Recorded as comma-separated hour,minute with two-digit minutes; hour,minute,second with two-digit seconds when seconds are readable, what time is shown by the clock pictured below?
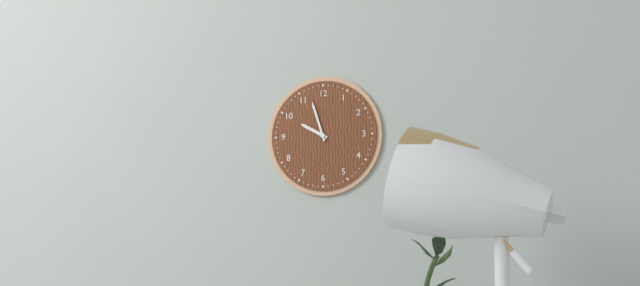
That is 9,57
